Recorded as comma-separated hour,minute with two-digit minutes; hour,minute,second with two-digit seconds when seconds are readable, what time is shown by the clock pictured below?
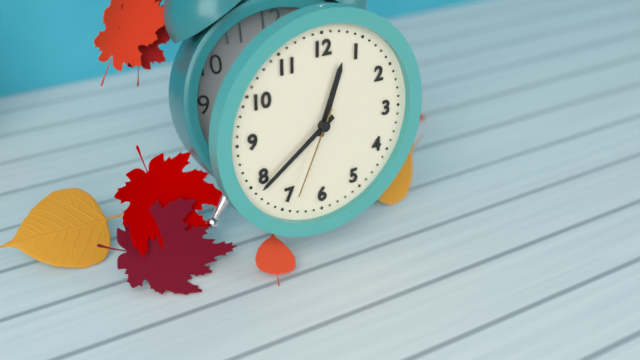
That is 12,39,34
